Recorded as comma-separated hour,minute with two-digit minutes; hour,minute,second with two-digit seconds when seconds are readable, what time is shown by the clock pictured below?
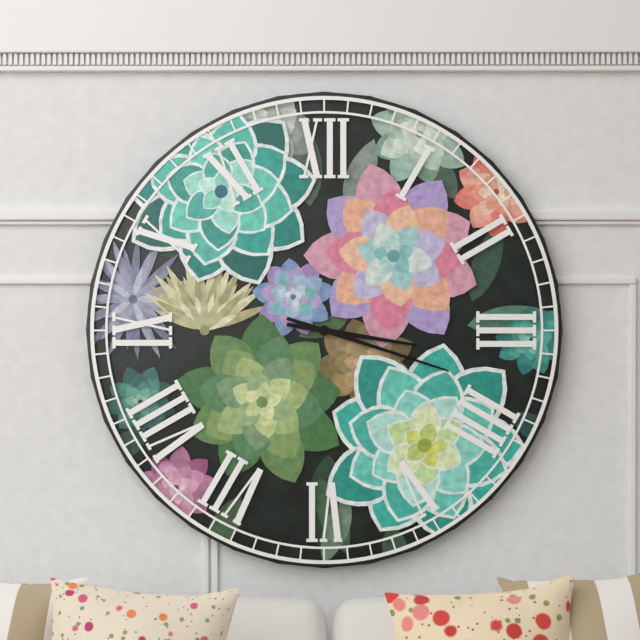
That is 3,18
